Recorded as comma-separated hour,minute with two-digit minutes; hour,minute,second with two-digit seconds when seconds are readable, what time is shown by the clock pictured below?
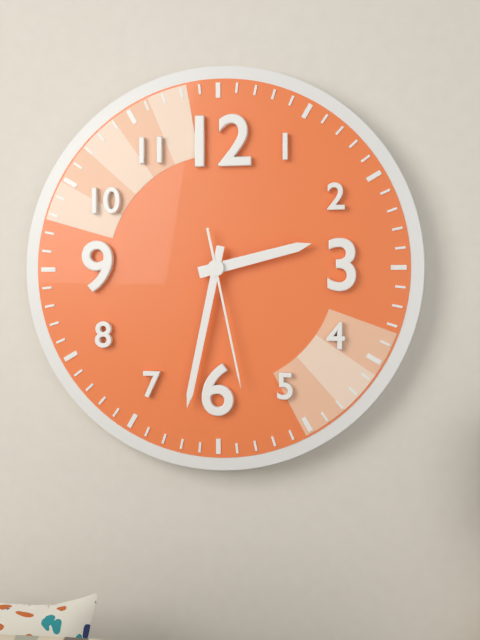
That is 2,32,28
